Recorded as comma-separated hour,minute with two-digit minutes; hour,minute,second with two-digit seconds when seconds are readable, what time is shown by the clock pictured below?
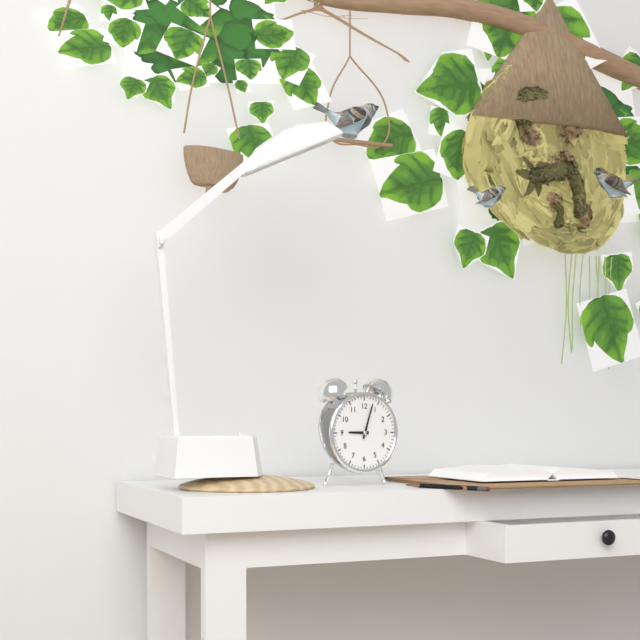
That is 9,03
